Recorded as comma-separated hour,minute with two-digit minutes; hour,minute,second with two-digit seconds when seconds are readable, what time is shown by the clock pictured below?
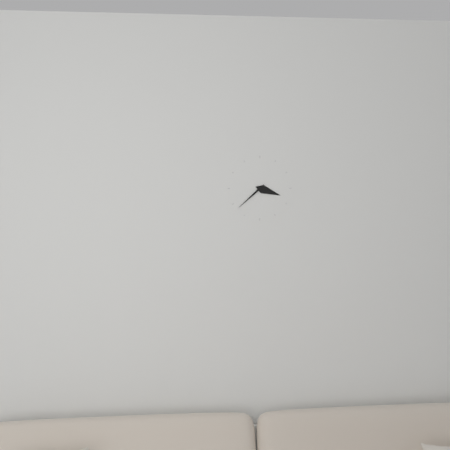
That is 3,38
